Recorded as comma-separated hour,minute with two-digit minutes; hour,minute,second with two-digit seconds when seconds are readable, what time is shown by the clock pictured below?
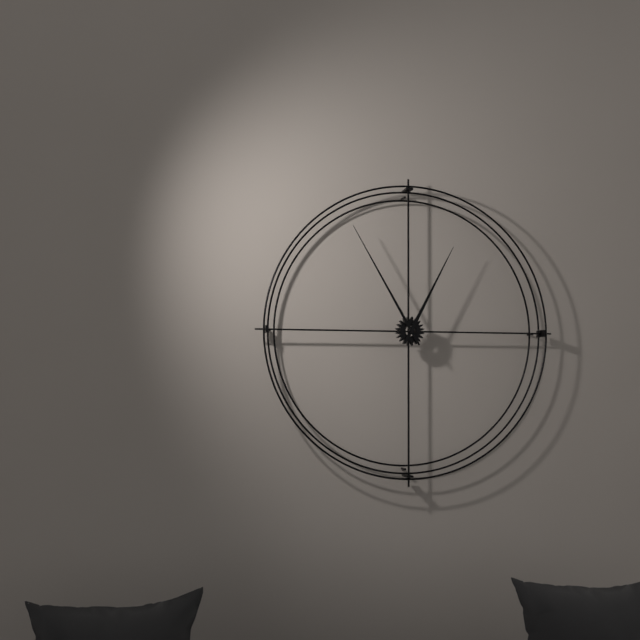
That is 12,55
